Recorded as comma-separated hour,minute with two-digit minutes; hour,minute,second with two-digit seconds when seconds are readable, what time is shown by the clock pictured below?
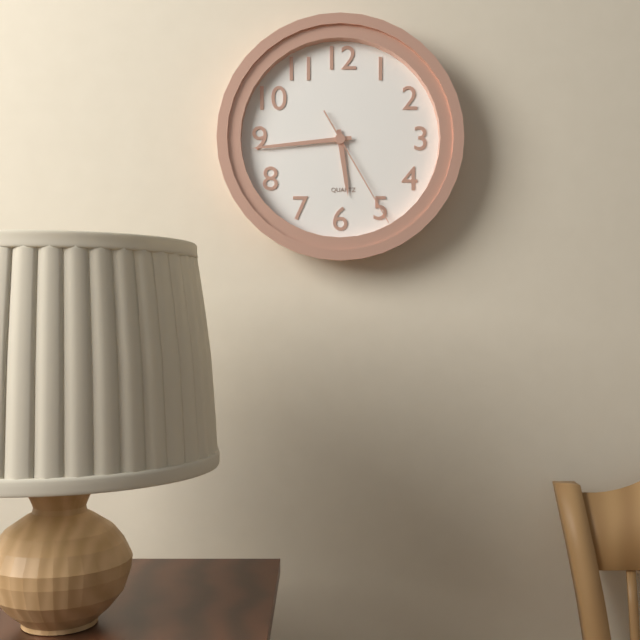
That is 5,44,25
